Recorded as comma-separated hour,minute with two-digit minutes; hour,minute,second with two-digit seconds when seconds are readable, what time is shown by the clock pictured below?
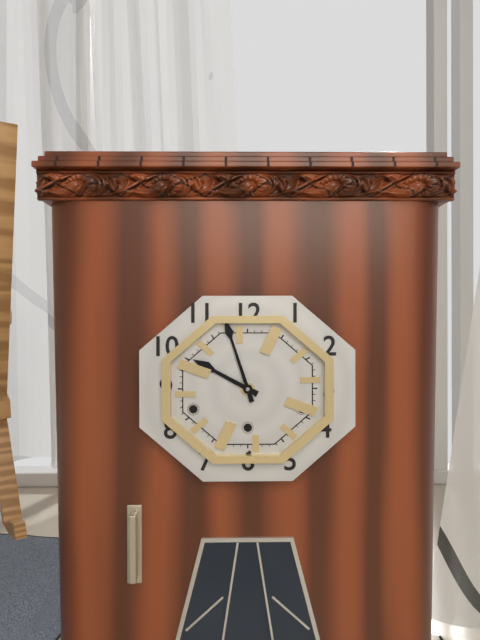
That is 9,57
